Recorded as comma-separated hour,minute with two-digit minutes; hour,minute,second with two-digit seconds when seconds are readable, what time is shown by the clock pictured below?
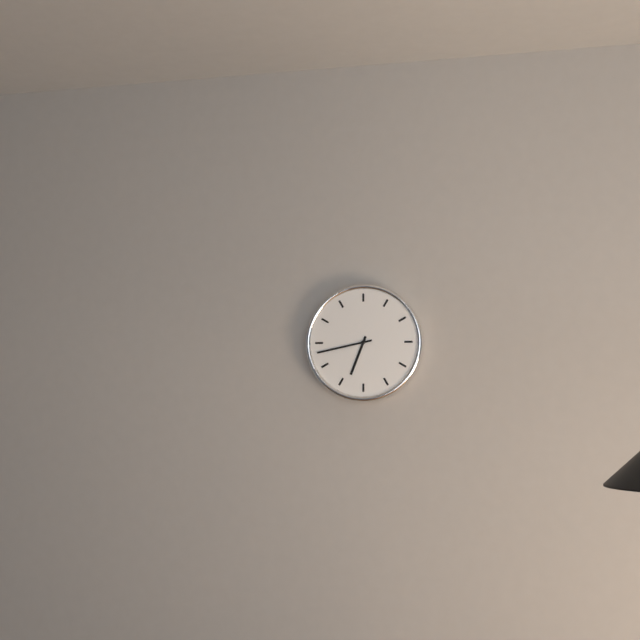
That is 6,43
